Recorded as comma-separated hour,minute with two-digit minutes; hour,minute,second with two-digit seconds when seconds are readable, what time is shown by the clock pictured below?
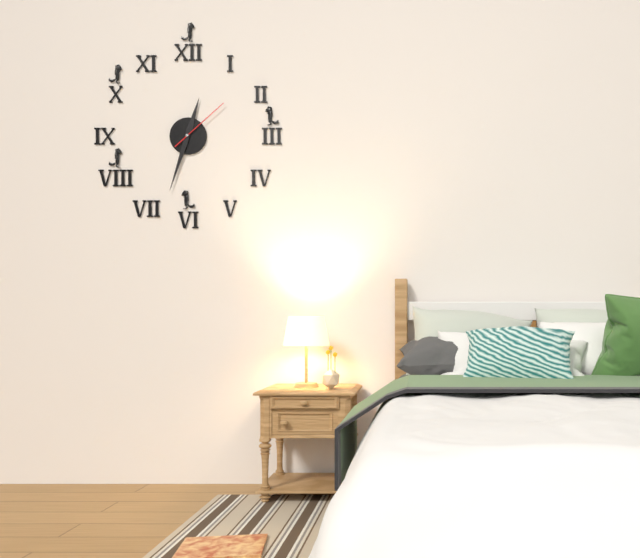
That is 12,33,08
